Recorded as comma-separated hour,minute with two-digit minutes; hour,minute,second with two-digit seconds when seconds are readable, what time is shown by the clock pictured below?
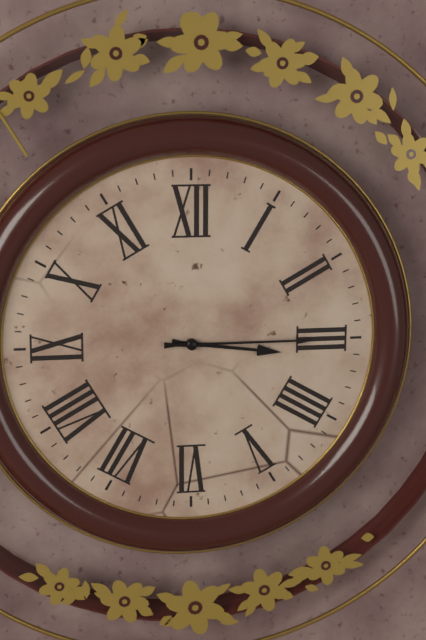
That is 3,15
